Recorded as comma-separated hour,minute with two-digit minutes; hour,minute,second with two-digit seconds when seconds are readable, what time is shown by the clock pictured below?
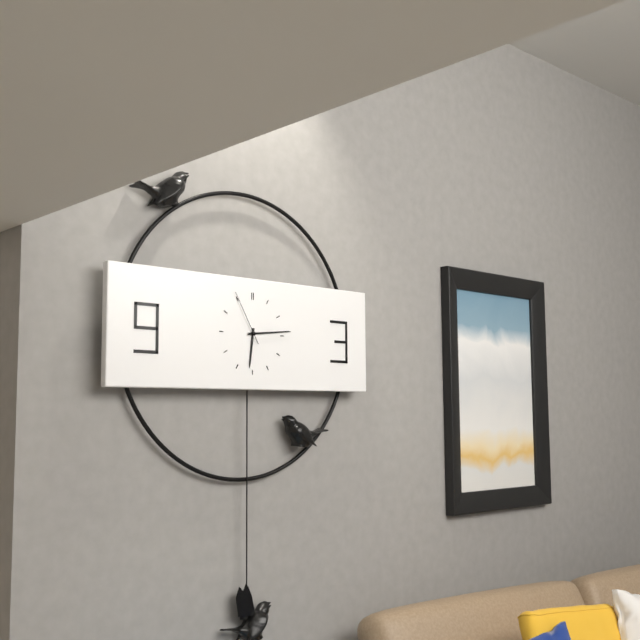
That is 6,14,55
